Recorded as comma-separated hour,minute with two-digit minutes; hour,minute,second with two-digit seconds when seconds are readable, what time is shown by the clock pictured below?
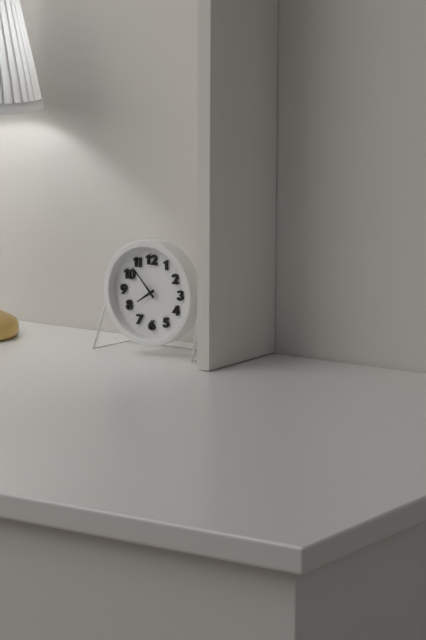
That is 7,53
